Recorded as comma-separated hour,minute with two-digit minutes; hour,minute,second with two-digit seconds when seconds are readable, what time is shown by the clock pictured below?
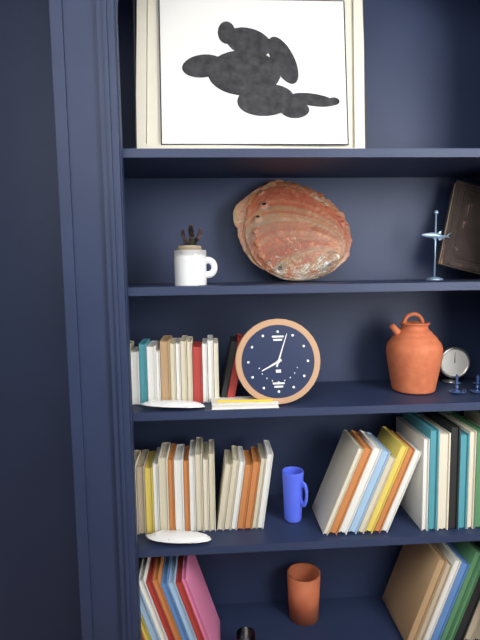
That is 8,03
